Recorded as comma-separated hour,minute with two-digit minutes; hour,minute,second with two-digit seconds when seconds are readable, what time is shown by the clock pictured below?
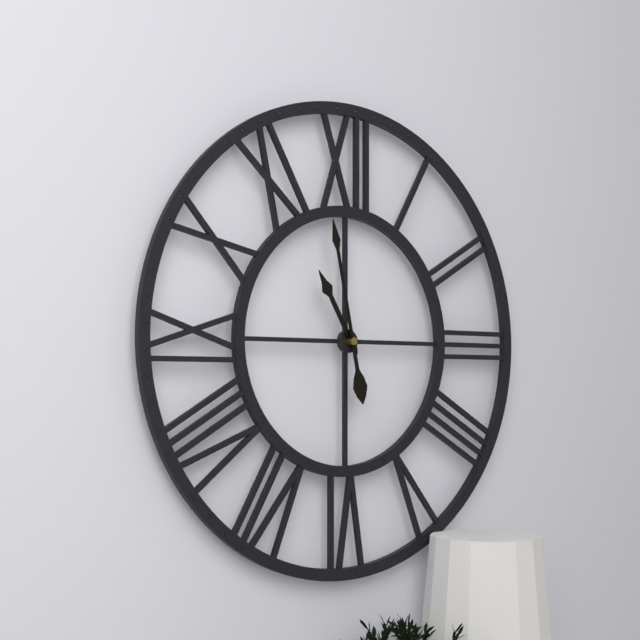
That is 10,58
